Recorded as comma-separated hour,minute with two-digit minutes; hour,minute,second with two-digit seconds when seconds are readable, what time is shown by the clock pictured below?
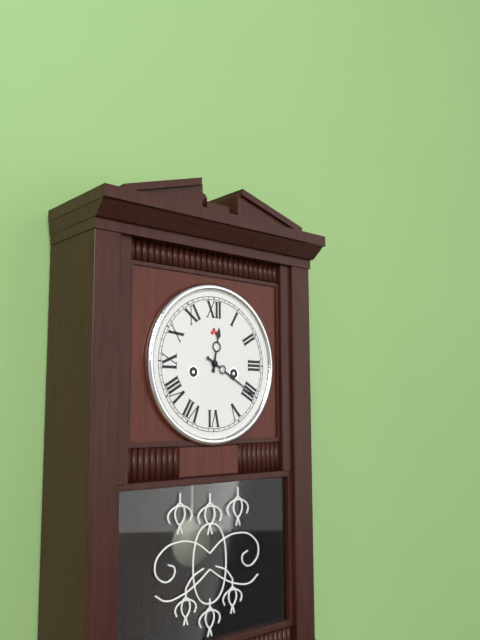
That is 12,20
